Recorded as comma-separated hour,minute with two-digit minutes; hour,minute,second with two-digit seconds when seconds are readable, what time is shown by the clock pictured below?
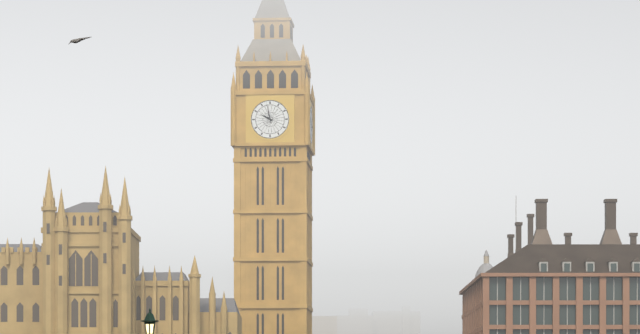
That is 9,58
